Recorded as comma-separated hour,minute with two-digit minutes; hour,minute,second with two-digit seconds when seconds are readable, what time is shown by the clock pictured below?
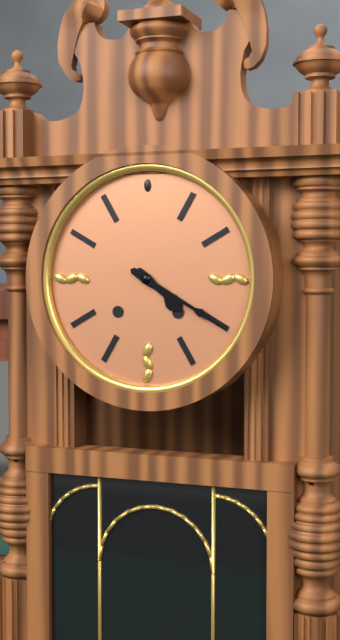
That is 4,20
